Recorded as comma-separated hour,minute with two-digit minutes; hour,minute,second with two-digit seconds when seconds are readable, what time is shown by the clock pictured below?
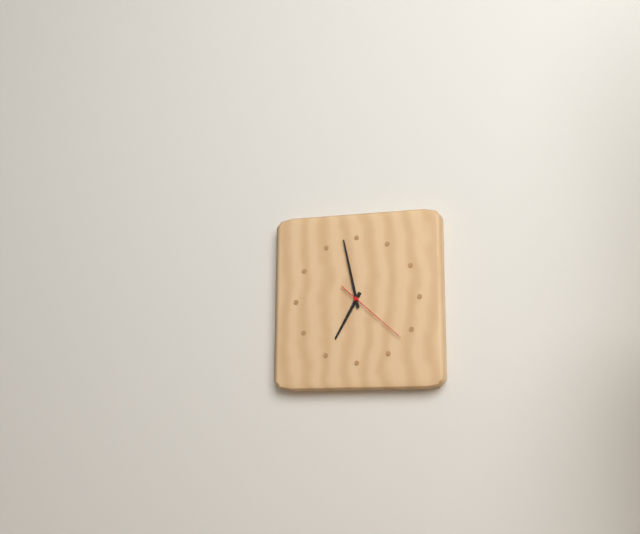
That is 6,58,22
